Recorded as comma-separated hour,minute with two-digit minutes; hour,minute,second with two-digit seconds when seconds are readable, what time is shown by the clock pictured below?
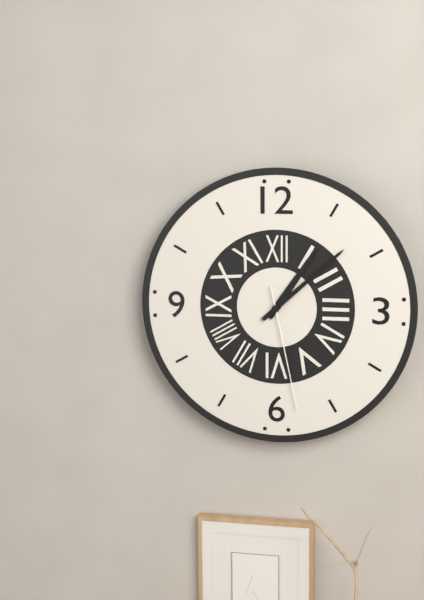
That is 1,08,28
